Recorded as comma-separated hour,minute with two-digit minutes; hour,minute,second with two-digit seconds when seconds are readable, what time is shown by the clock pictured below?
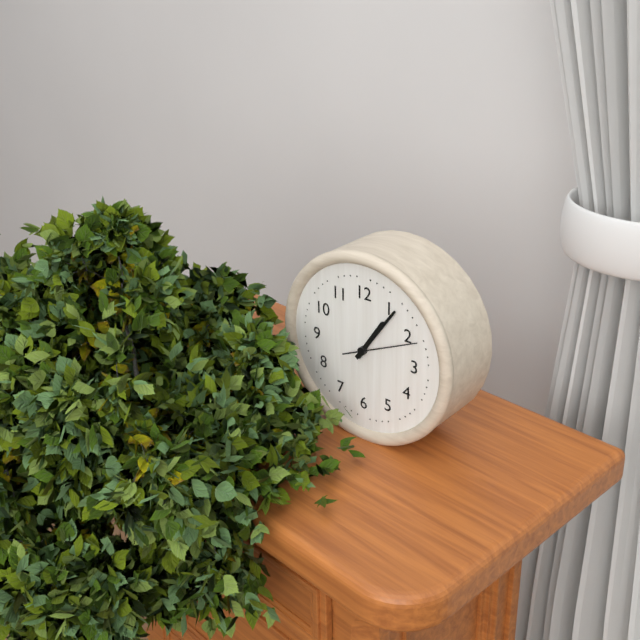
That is 1,06,11
